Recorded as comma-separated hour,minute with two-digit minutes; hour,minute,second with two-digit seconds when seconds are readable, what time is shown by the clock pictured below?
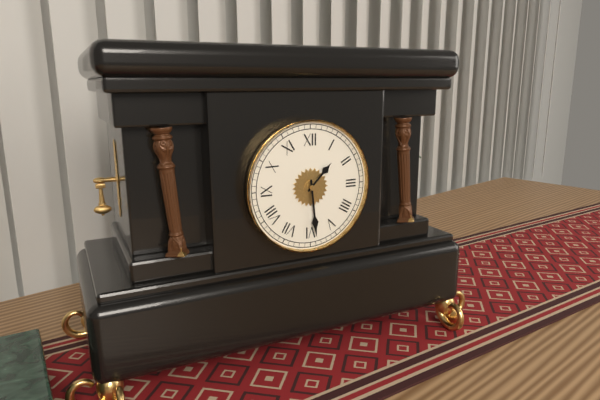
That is 1,29
